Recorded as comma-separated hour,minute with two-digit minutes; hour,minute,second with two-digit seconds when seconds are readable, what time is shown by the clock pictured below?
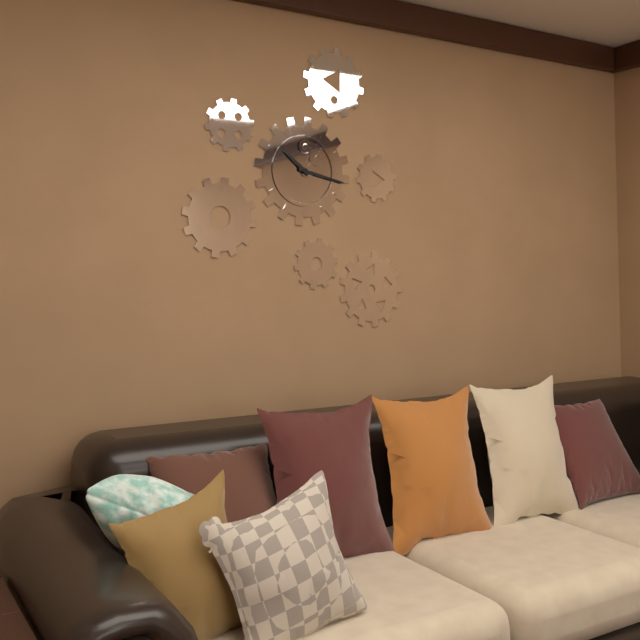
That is 10,17
